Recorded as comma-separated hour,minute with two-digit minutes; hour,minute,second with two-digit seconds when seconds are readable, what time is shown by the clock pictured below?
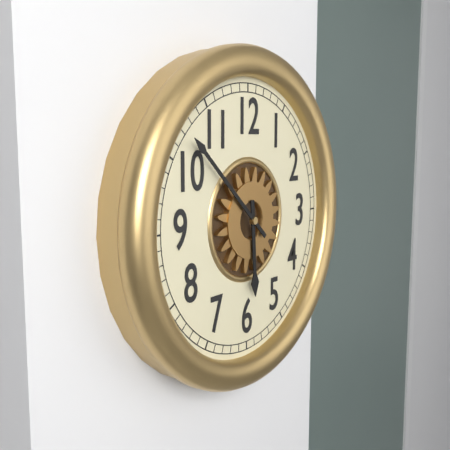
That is 5,52
